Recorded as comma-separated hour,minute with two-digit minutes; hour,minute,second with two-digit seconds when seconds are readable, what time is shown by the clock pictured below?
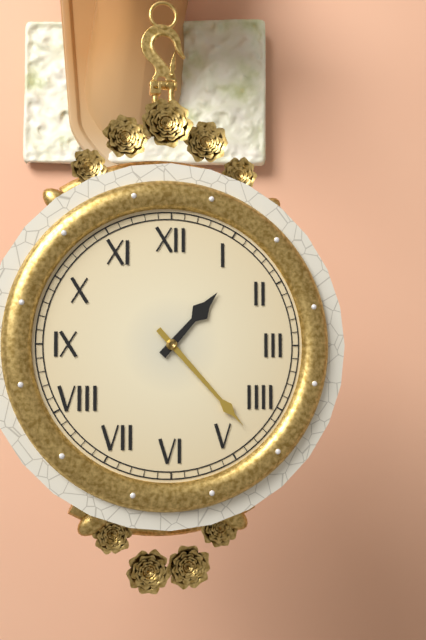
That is 1,23
